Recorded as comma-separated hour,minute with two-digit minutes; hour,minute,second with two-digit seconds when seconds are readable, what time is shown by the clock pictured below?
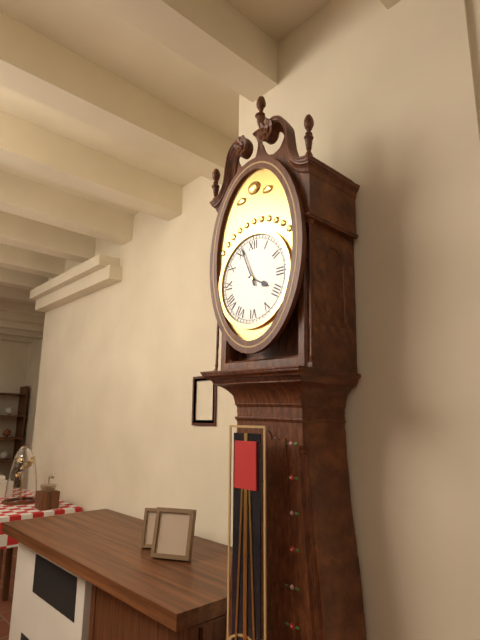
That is 3,56
